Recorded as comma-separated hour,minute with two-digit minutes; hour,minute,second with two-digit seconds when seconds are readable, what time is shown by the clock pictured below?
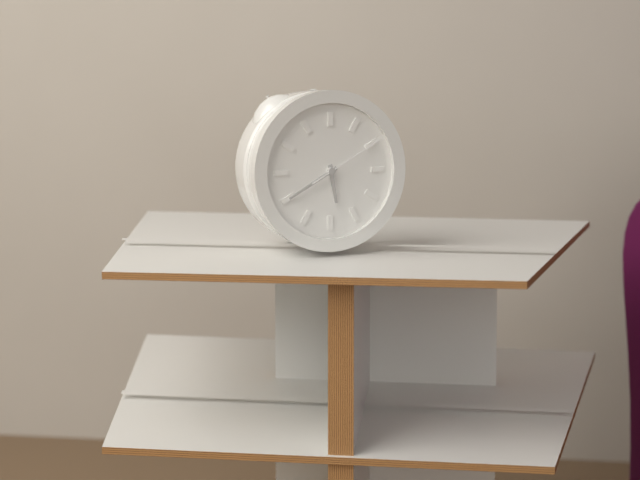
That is 5,40,10
